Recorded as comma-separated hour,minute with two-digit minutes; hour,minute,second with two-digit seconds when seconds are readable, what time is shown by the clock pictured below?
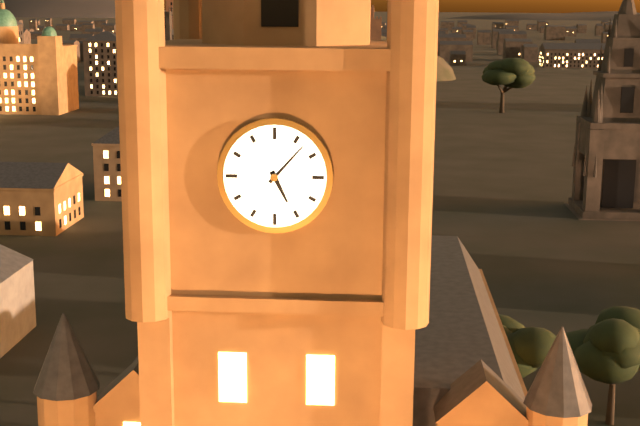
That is 5,07
